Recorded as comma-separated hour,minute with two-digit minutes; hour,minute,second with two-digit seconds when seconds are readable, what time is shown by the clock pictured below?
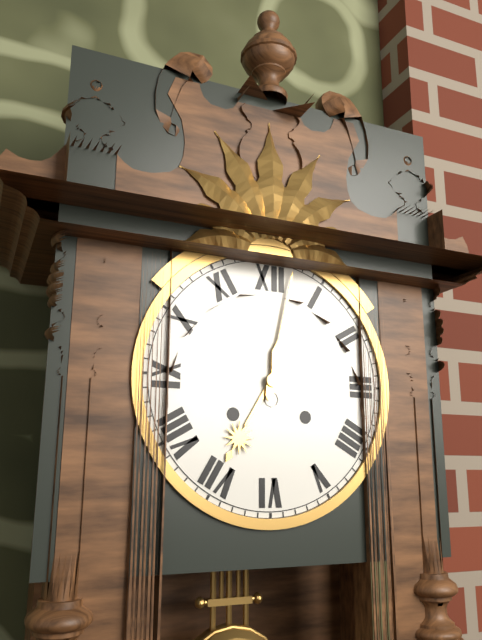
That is 7,02
